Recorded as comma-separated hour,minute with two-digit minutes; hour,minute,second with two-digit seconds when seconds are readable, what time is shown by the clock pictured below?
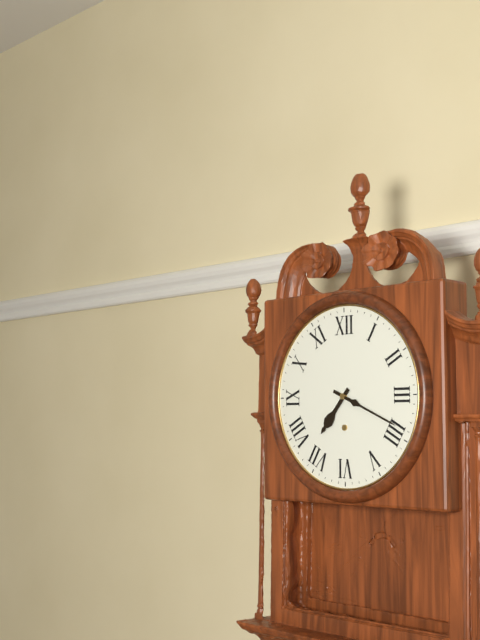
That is 7,19
